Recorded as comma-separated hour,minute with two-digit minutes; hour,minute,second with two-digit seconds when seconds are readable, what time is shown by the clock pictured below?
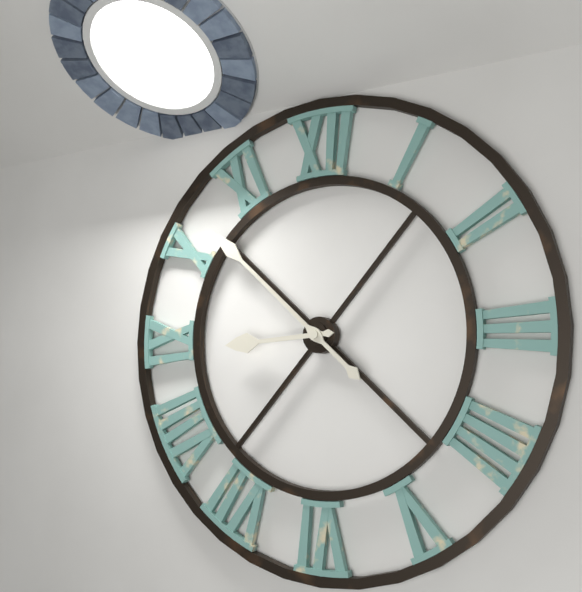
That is 8,52
